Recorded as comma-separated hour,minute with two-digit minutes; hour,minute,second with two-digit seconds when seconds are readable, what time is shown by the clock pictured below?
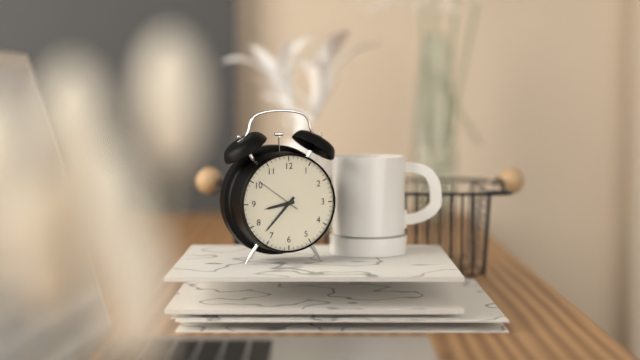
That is 8,37
